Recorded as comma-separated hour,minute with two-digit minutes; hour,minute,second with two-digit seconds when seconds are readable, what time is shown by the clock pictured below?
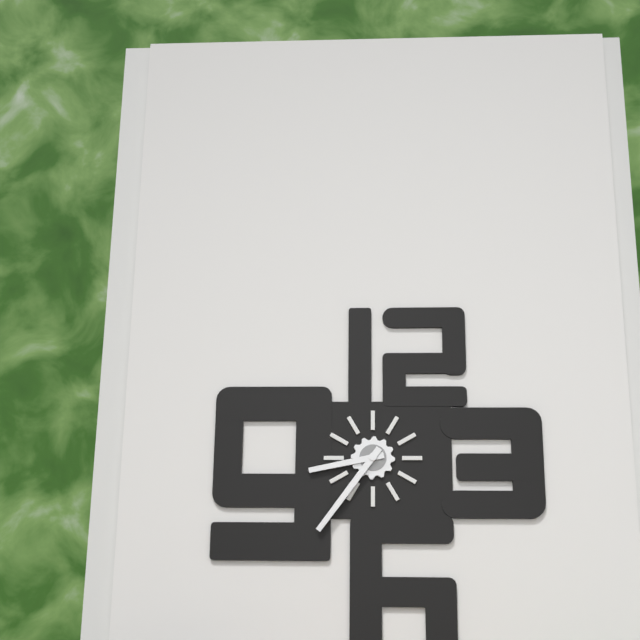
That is 8,36
